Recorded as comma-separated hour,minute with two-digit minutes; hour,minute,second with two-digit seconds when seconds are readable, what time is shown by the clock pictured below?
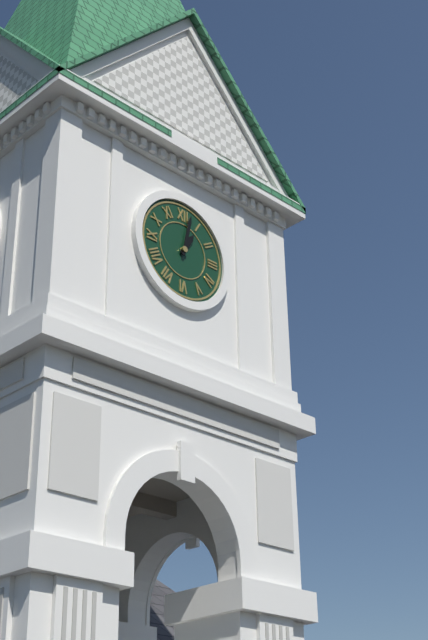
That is 1,02
